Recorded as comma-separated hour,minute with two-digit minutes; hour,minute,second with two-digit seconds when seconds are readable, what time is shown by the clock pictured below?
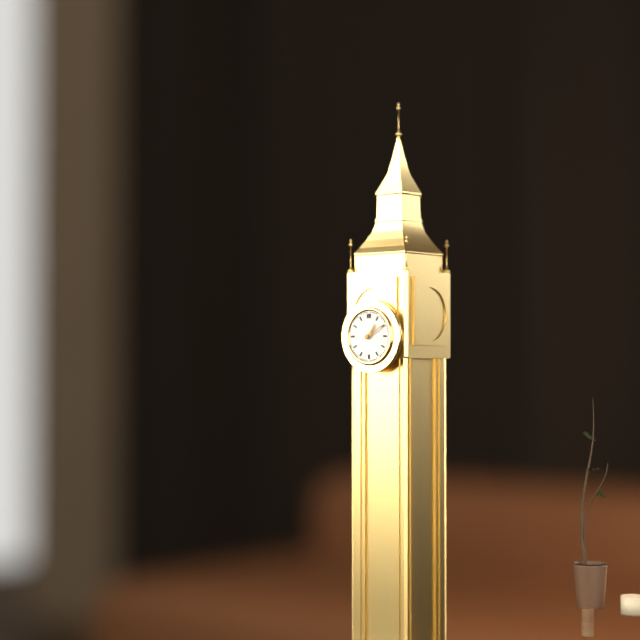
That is 1,10
